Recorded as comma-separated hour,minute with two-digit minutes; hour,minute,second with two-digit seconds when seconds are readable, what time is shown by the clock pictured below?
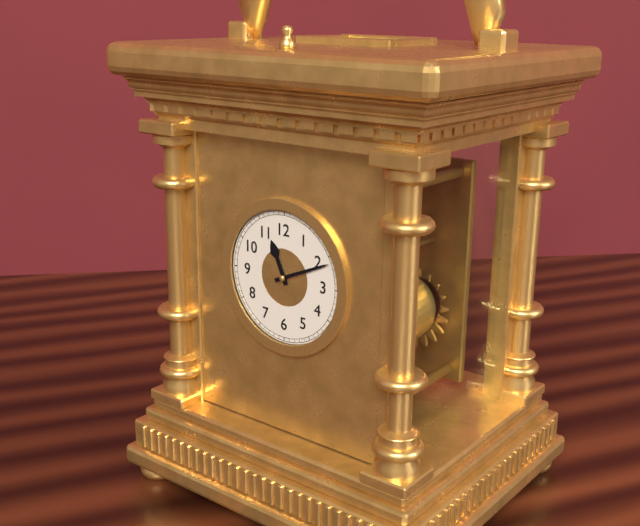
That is 11,11
